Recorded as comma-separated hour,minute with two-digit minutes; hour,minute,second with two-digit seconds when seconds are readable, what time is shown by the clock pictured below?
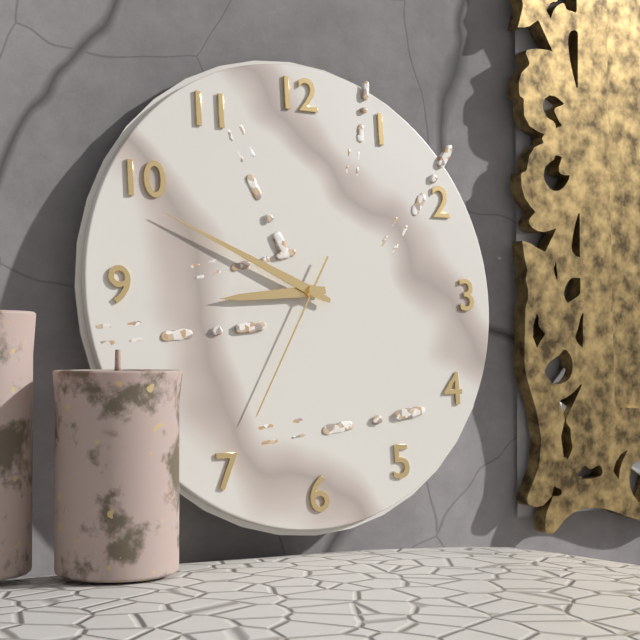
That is 8,49,35
